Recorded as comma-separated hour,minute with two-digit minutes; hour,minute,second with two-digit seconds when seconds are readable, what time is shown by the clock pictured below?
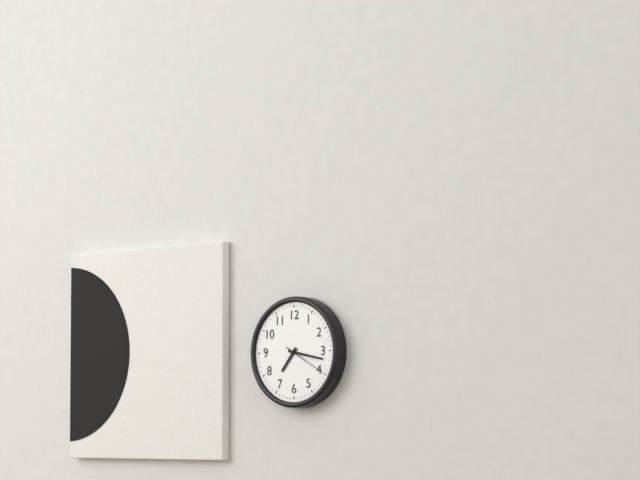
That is 7,17
